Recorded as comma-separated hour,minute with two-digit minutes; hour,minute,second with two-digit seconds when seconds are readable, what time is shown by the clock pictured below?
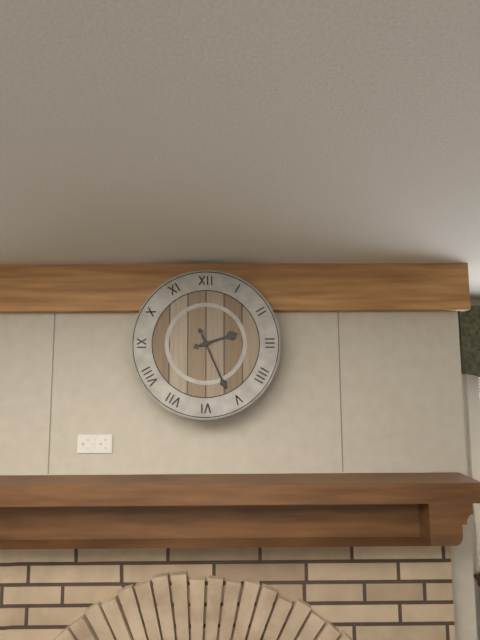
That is 2,26
